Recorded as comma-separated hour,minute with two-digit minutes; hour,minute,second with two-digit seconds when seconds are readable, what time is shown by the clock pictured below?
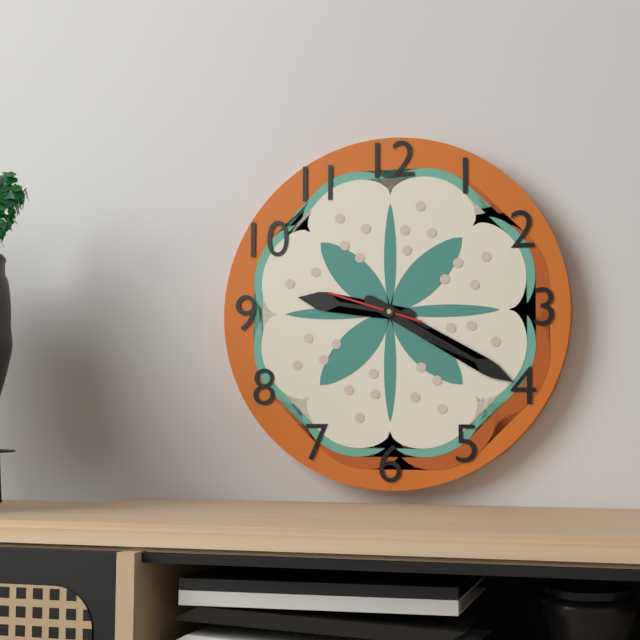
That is 9,20,48
